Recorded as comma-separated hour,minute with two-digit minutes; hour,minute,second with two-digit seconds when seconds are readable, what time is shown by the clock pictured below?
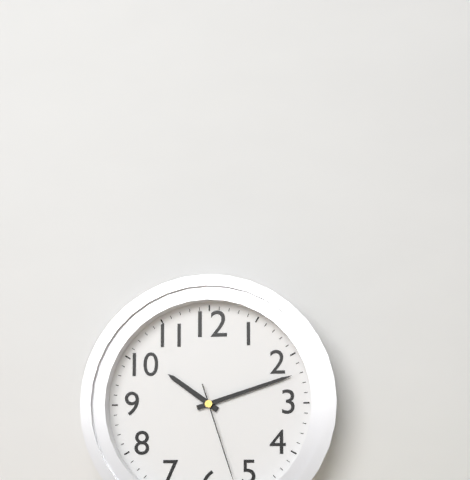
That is 10,12
